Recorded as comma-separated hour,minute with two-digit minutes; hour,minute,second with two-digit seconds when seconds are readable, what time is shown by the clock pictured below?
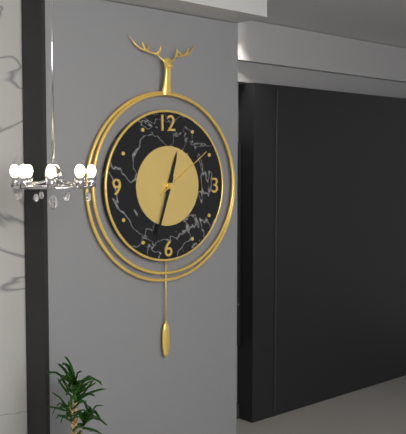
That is 12,33,09
